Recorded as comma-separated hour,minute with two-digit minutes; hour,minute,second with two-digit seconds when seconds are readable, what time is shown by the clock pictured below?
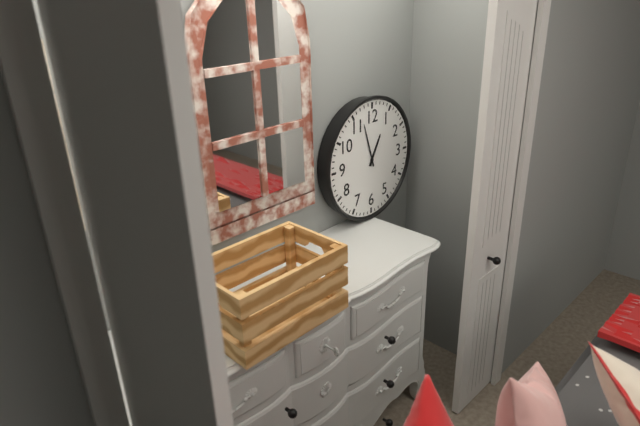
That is 12,57
